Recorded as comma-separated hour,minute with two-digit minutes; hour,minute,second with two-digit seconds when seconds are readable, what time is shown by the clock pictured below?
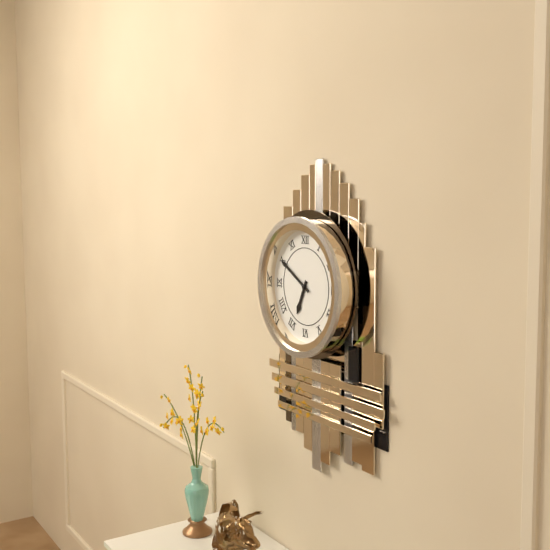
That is 6,50
